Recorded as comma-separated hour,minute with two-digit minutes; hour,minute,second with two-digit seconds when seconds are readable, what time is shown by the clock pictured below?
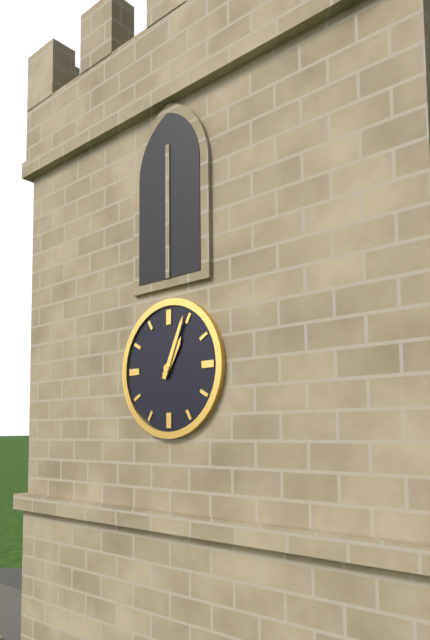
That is 1,04
